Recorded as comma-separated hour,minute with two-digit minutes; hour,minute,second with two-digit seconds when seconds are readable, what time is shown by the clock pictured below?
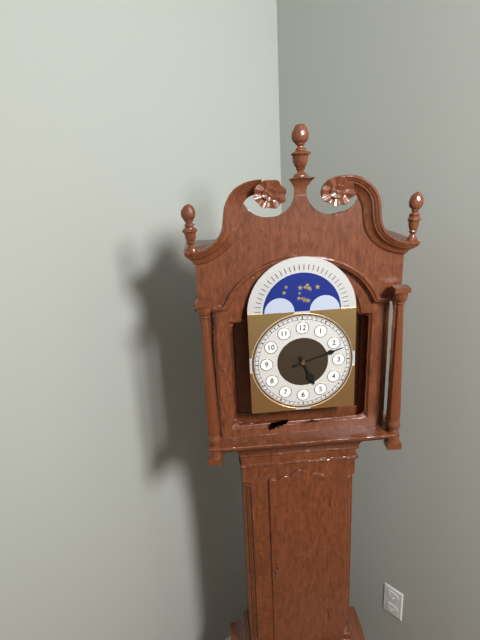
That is 5,12
